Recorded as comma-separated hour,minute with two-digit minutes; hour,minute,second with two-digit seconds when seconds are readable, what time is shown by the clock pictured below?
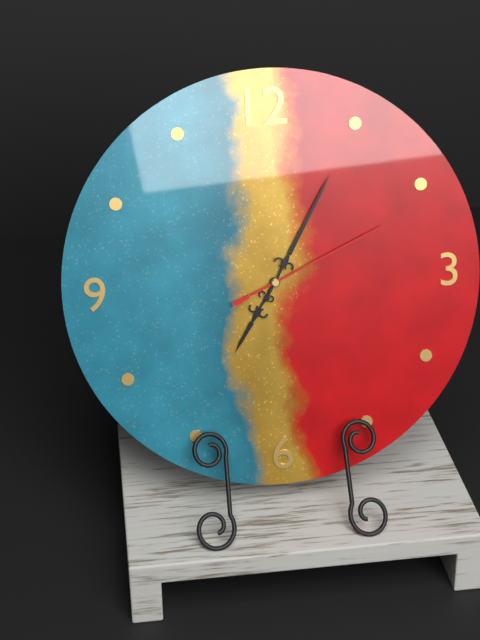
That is 7,05,11
